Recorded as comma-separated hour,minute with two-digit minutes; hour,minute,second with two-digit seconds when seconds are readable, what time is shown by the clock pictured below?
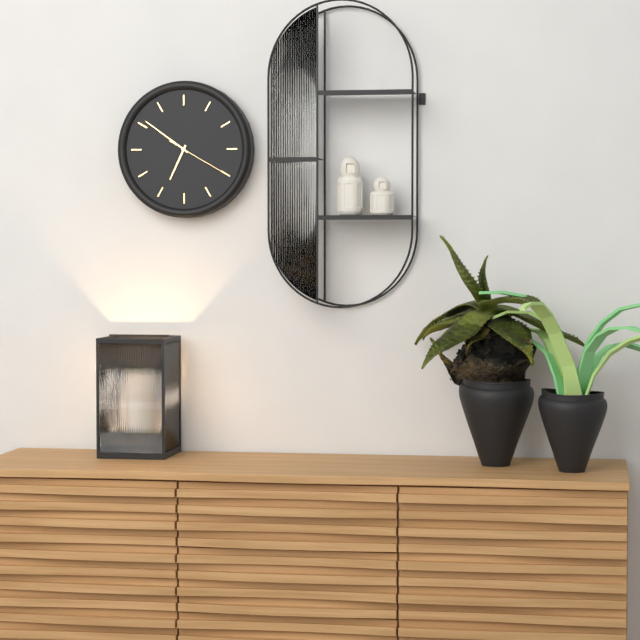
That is 6,51,20
